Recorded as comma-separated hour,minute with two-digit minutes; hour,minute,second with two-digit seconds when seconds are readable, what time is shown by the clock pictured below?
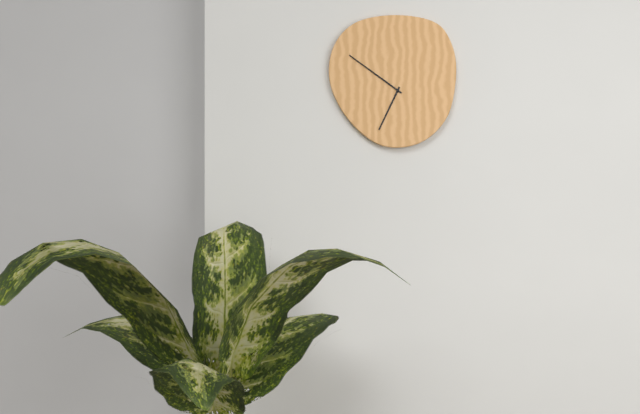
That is 6,51
